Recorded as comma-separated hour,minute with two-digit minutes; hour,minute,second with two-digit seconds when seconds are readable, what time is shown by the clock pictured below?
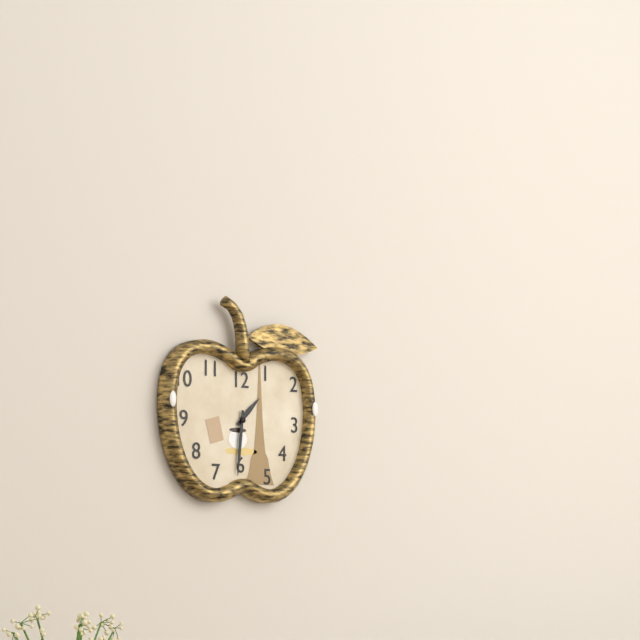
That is 1,31
